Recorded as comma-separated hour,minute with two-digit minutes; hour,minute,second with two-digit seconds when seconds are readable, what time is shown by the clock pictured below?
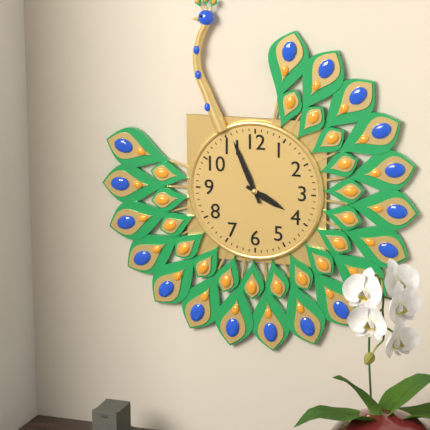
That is 3,56
